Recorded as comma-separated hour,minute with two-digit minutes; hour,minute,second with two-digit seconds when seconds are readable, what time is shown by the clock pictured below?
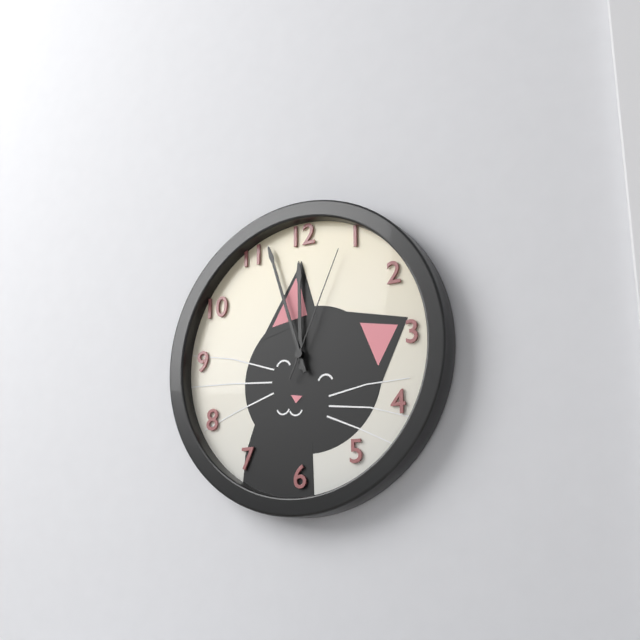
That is 11,57,04
